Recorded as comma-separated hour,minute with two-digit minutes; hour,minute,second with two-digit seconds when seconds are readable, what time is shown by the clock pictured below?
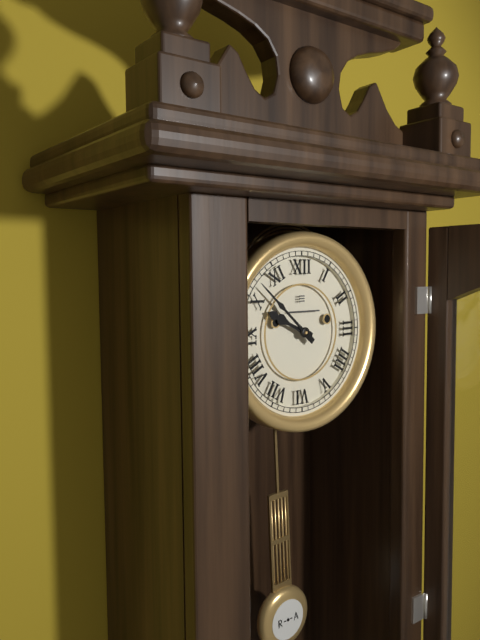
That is 9,52
